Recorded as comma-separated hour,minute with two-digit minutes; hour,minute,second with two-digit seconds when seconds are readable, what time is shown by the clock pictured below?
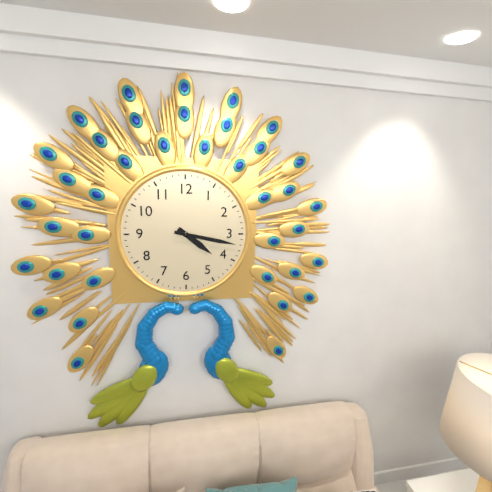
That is 4,17
